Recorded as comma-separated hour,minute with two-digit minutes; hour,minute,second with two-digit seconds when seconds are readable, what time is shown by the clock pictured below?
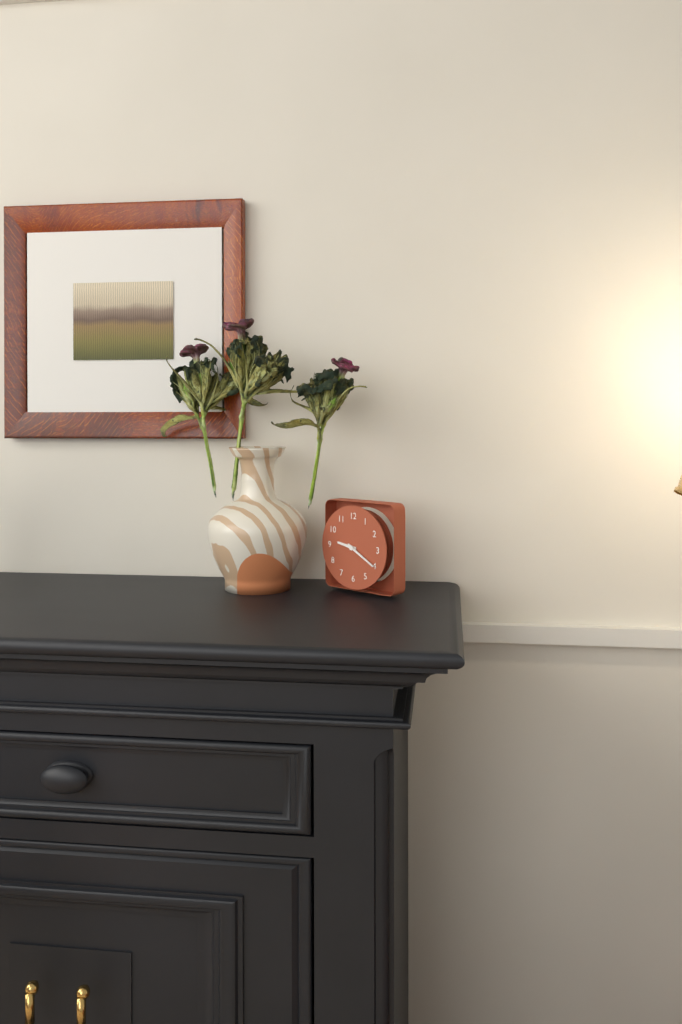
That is 9,20
